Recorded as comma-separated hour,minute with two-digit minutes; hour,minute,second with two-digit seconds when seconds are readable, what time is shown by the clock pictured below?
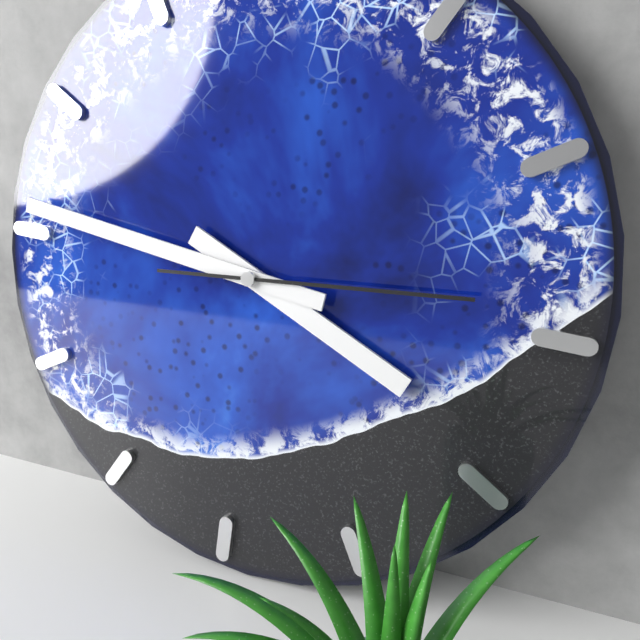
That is 3,46,14
